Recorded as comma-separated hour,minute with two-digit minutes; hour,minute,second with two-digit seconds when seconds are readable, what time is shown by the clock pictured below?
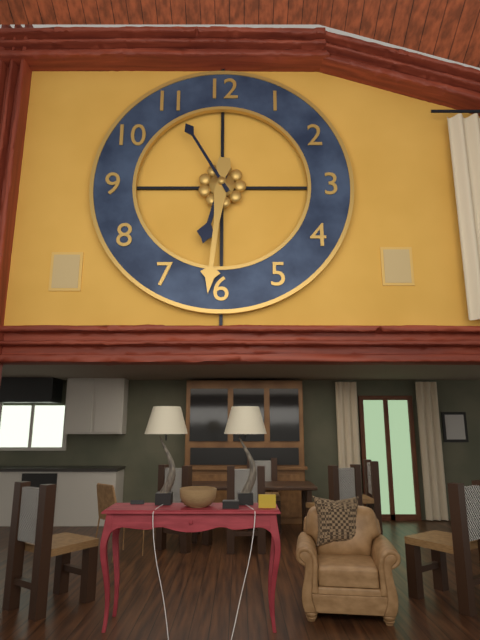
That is 6,31,55
